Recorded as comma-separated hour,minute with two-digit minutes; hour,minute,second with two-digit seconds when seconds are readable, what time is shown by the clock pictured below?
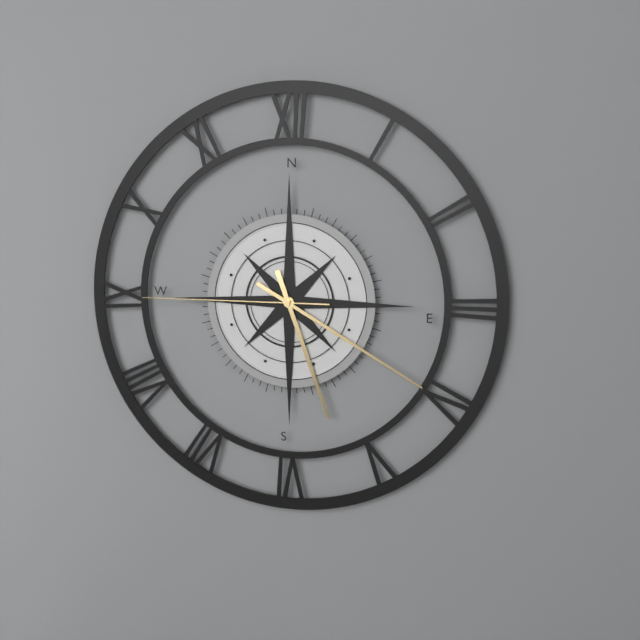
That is 5,20,45
